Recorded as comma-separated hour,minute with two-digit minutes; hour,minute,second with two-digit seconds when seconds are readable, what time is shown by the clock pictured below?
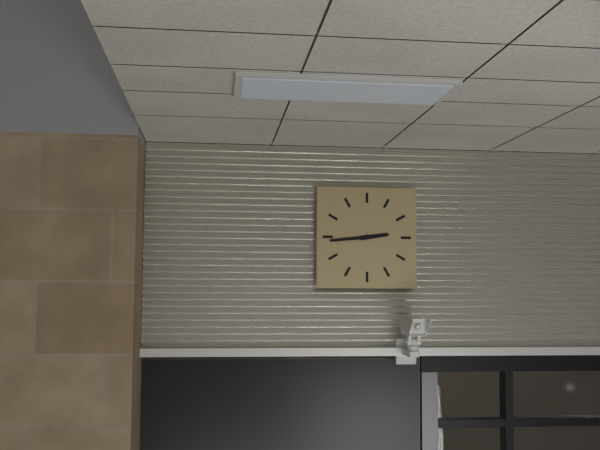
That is 2,44
